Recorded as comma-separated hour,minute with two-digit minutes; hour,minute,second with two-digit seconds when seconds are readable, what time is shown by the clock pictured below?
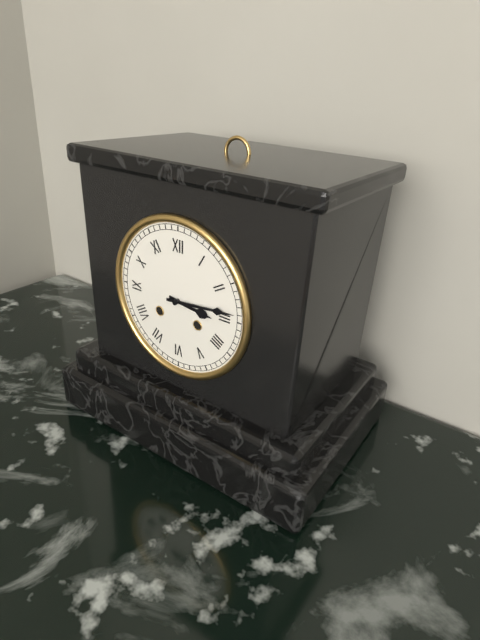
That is 3,14
